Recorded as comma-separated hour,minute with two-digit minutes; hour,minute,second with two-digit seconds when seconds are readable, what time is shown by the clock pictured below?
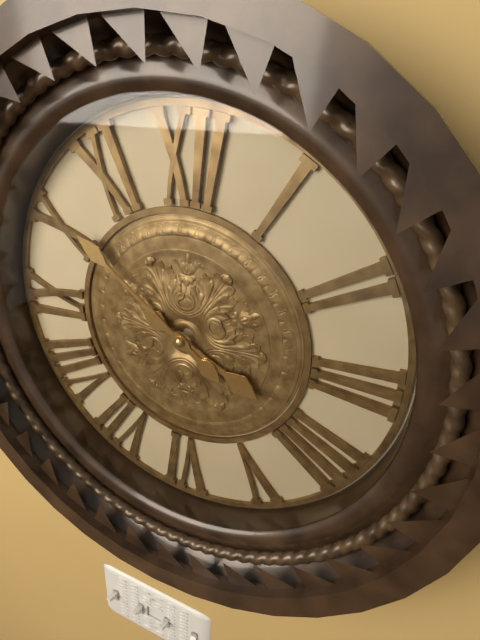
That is 3,51
